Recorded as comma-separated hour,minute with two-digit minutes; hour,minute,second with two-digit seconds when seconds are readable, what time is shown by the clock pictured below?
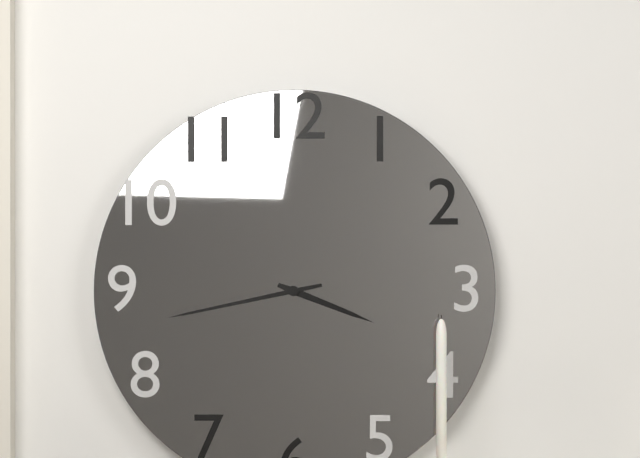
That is 3,43
